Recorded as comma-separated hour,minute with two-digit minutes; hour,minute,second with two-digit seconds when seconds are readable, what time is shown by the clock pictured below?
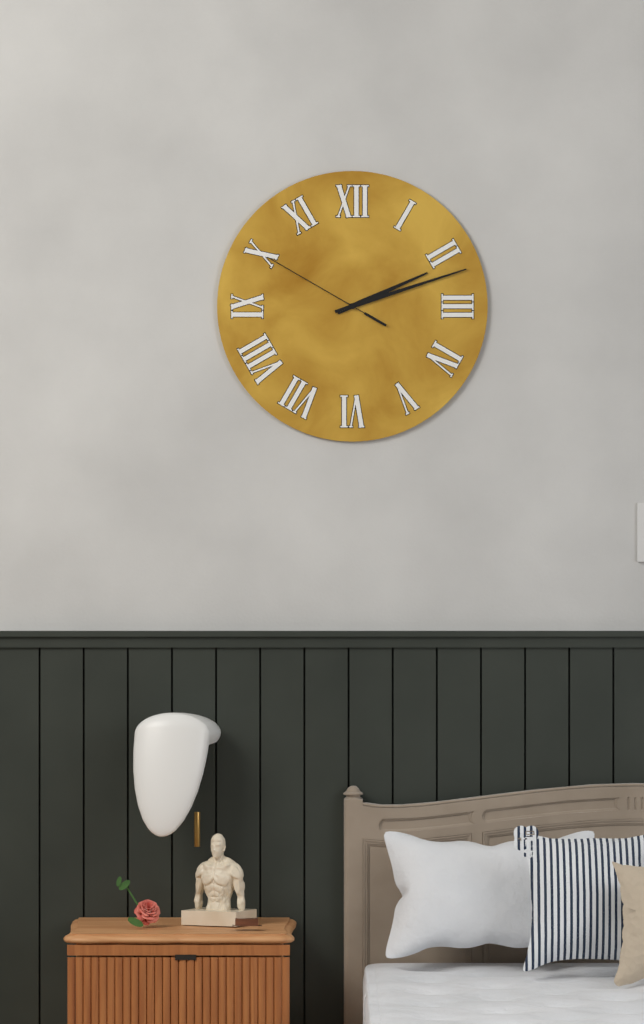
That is 2,12,50
